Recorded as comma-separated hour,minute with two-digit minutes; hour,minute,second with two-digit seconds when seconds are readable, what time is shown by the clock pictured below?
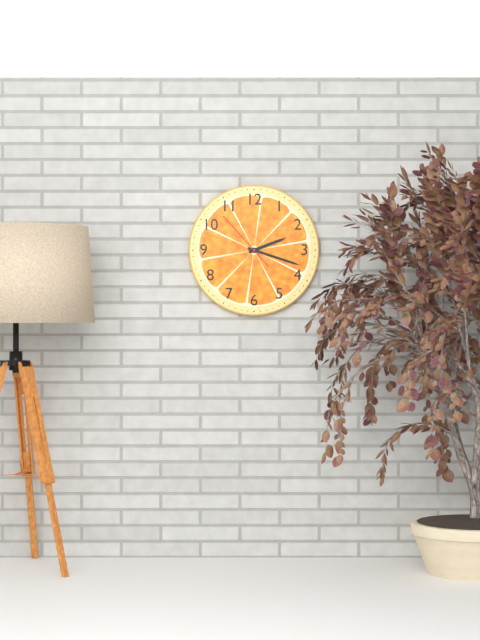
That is 2,18,53
